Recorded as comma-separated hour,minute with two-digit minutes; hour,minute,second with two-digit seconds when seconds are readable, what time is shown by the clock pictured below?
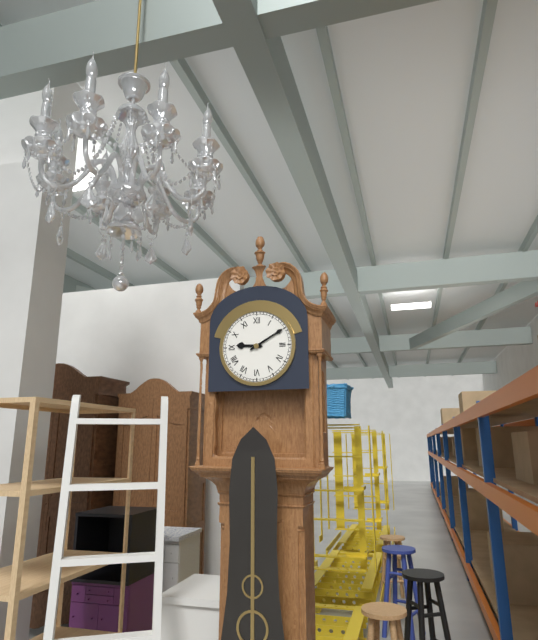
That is 9,10
